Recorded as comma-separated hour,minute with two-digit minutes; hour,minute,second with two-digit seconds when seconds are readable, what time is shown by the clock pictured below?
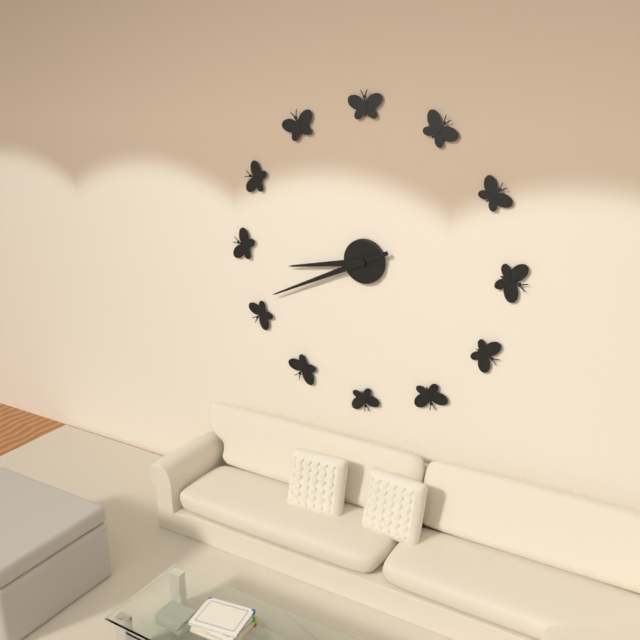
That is 8,41
